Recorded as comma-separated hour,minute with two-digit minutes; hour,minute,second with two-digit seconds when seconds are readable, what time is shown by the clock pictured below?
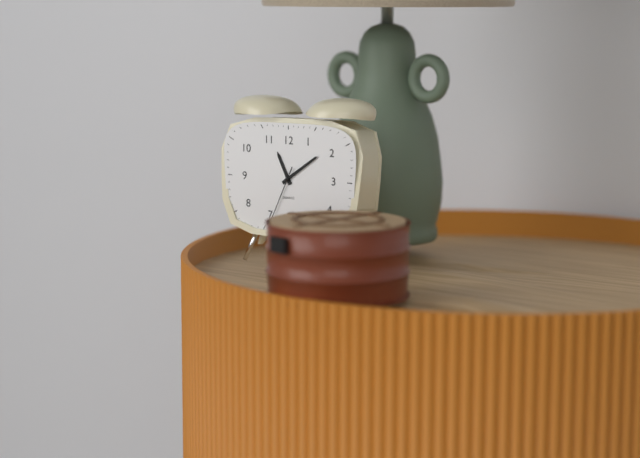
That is 11,09,34
